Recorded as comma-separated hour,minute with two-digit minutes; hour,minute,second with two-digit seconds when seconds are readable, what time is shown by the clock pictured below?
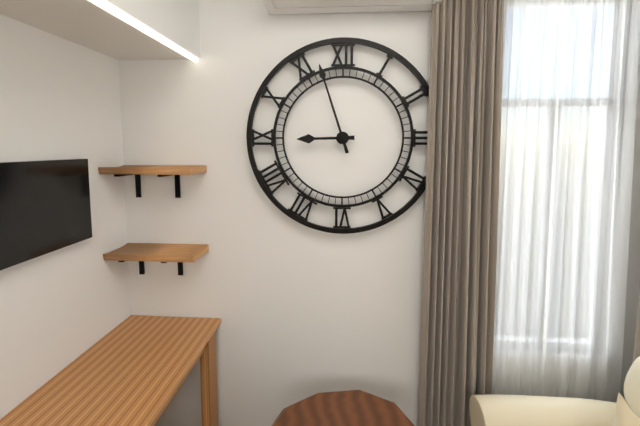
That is 8,57
